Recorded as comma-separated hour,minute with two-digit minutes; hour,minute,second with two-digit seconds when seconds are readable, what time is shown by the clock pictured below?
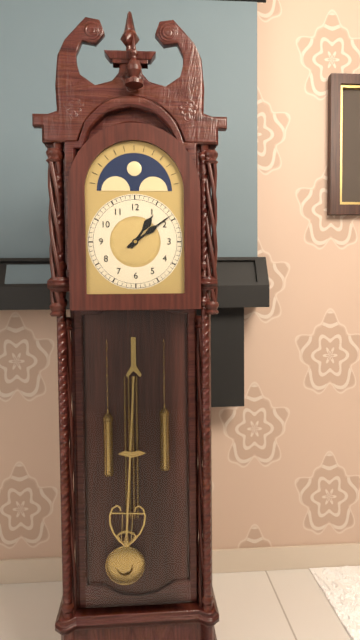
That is 1,09
